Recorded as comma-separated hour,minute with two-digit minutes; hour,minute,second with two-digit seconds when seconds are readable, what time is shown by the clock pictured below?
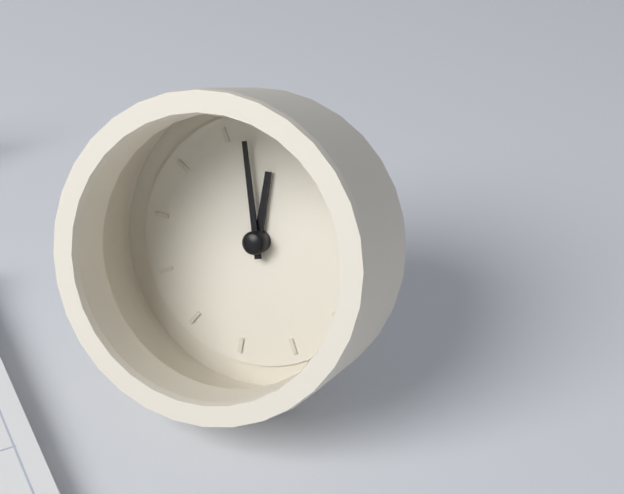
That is 11,57
